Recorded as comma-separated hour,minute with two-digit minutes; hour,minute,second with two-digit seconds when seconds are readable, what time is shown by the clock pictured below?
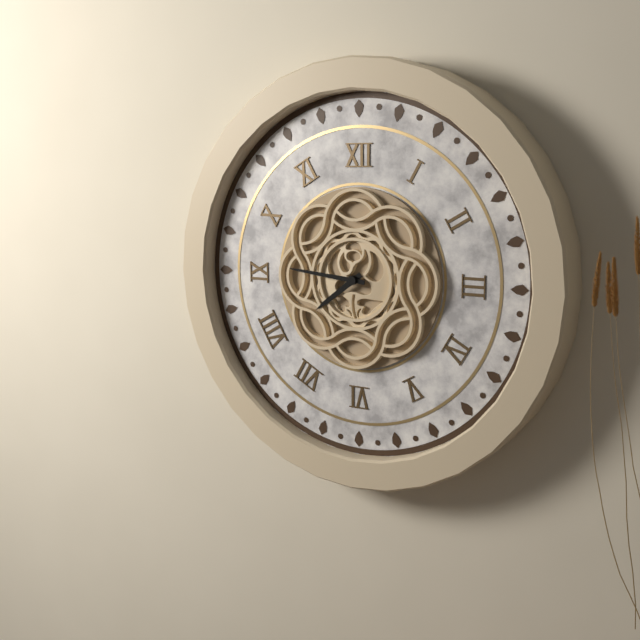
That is 7,46
